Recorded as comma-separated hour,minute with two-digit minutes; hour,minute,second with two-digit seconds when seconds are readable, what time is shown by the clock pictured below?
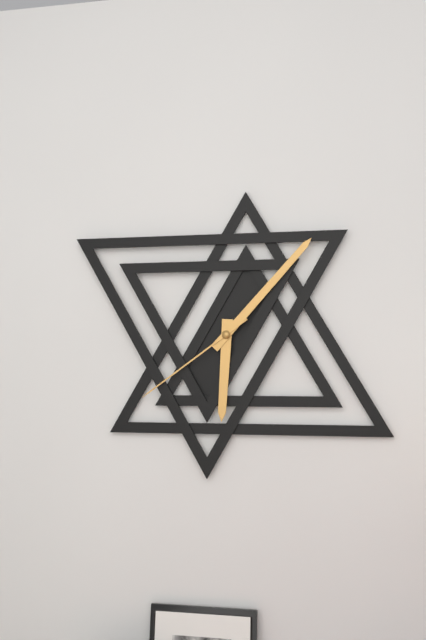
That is 6,07,39
